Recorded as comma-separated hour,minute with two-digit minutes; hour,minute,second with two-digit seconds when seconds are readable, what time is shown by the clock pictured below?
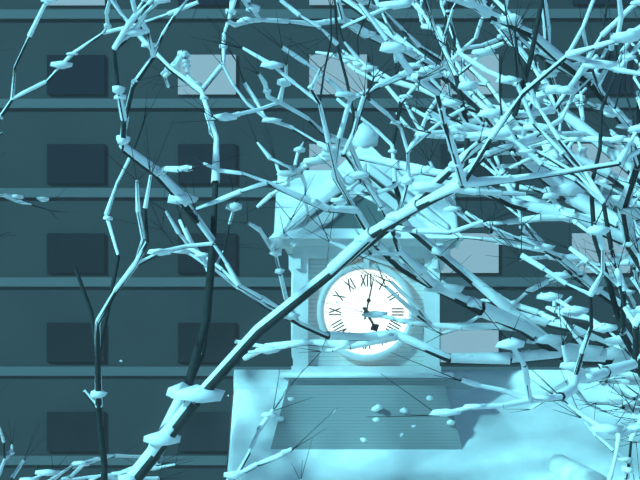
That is 5,02
